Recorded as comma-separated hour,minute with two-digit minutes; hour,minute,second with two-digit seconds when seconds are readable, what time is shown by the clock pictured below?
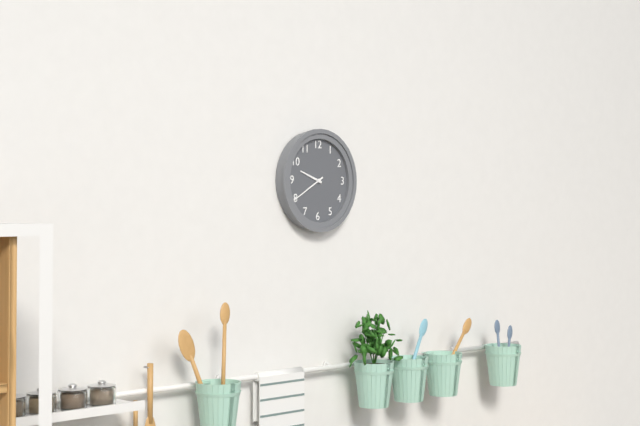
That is 9,40
